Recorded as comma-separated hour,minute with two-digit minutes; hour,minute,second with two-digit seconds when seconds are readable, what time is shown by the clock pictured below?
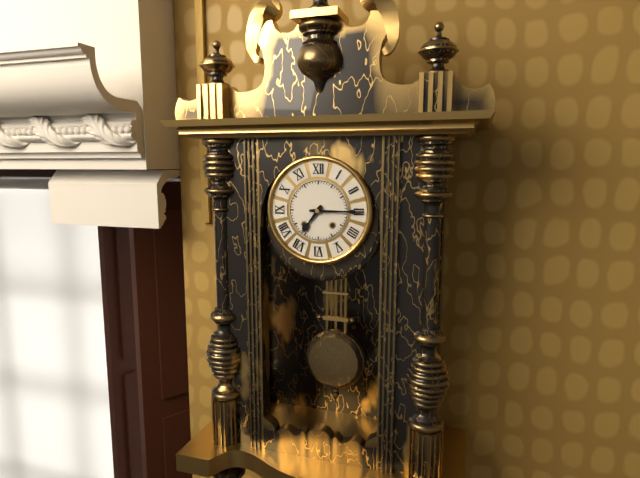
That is 7,15
